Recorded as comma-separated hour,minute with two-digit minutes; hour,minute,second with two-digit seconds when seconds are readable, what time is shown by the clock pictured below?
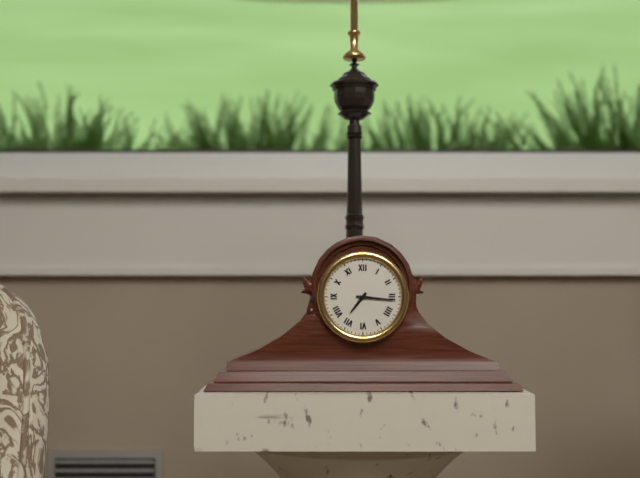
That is 7,16
